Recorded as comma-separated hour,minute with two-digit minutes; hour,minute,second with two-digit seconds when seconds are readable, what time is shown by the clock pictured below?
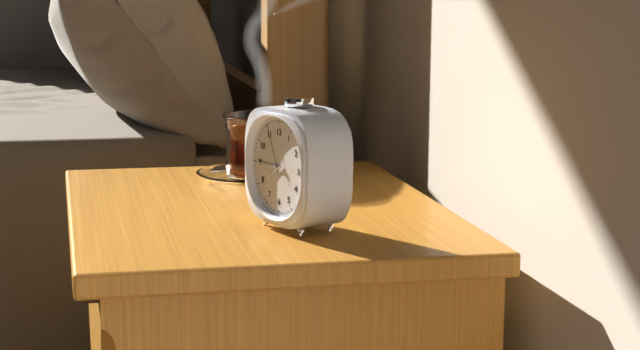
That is 7,45,56
